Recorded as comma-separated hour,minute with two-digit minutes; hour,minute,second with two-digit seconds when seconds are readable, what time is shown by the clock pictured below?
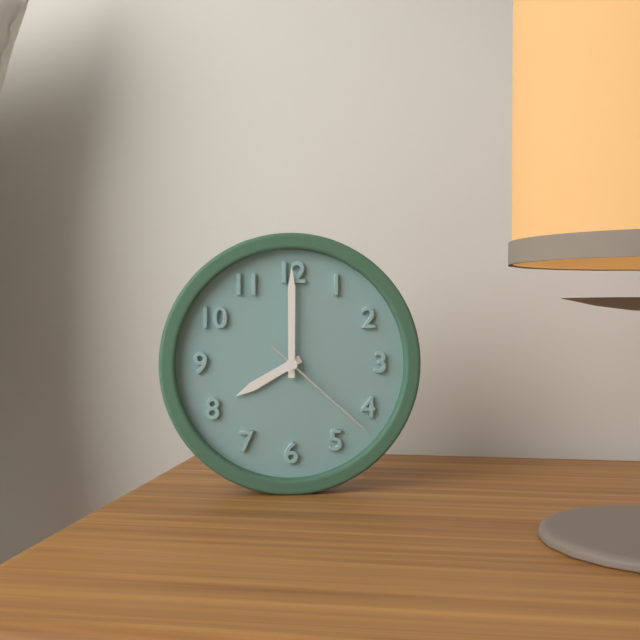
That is 8,00,22
